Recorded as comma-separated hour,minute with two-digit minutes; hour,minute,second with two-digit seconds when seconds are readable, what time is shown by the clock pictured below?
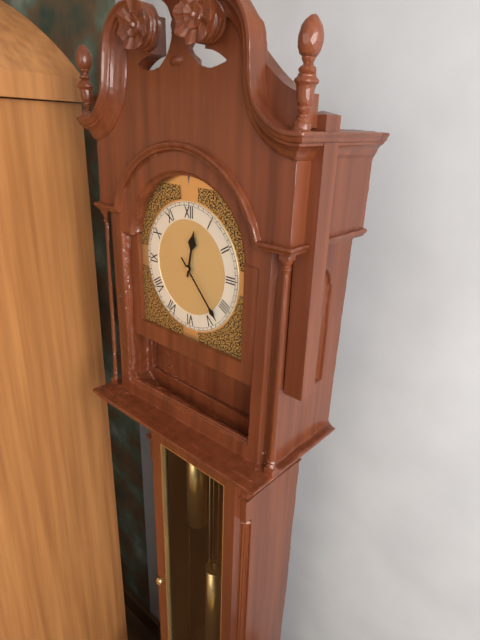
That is 12,23
